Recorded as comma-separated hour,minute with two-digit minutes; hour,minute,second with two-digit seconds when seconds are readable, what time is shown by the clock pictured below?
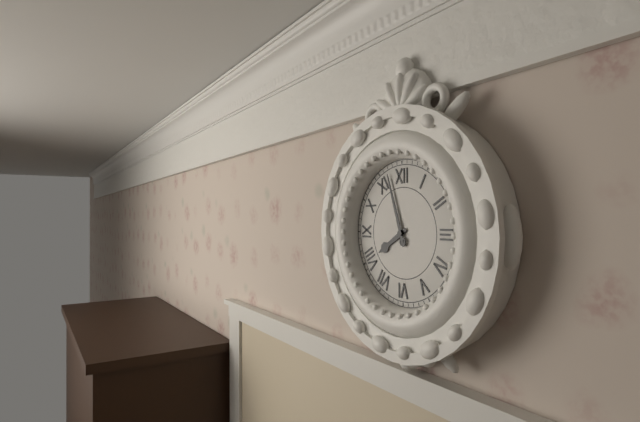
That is 7,57
